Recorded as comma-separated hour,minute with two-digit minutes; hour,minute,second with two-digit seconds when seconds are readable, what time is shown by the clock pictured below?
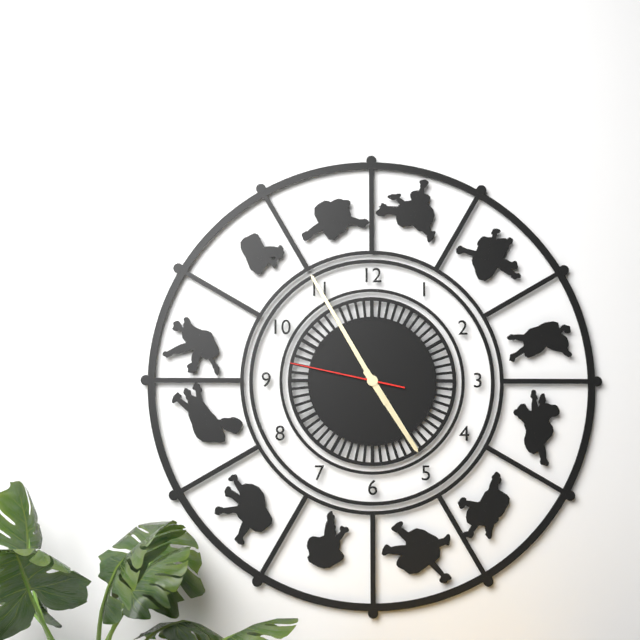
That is 4,55,47
